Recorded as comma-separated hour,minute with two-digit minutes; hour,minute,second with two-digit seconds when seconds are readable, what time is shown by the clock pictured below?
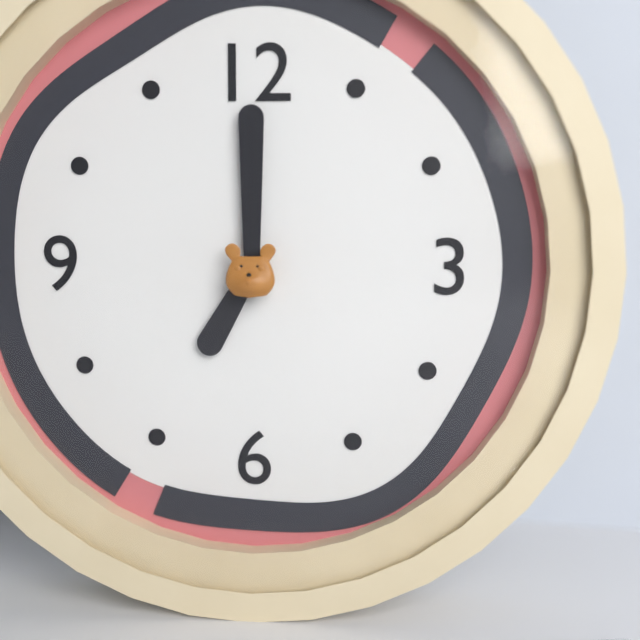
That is 7,00
